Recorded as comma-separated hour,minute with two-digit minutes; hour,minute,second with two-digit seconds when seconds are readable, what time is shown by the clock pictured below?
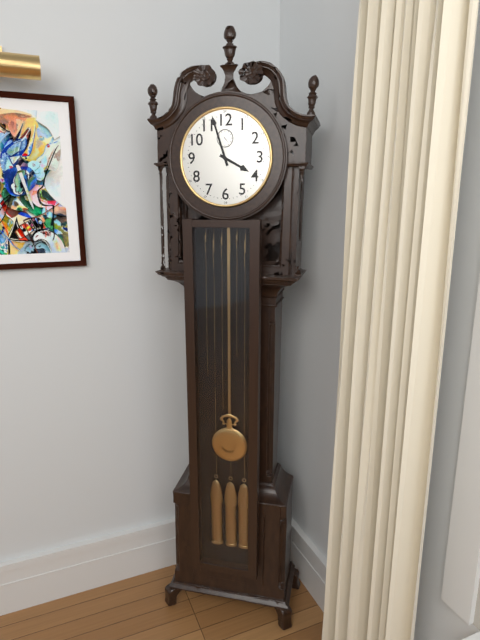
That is 3,57
